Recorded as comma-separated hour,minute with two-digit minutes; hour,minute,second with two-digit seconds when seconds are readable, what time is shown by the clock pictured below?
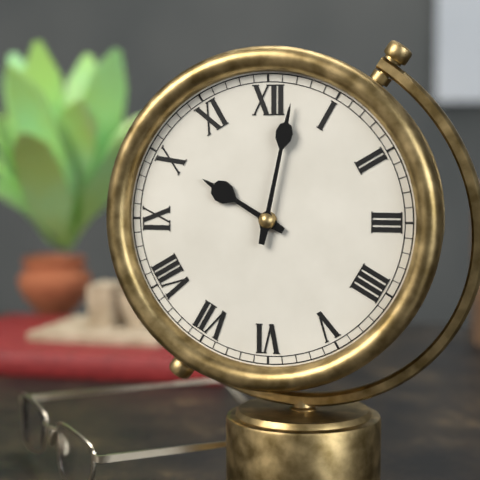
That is 10,02
